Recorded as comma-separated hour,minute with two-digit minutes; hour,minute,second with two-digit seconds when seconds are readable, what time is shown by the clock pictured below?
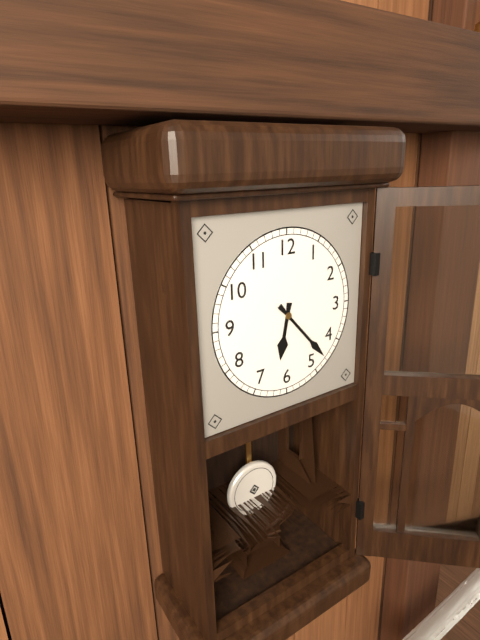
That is 6,23
